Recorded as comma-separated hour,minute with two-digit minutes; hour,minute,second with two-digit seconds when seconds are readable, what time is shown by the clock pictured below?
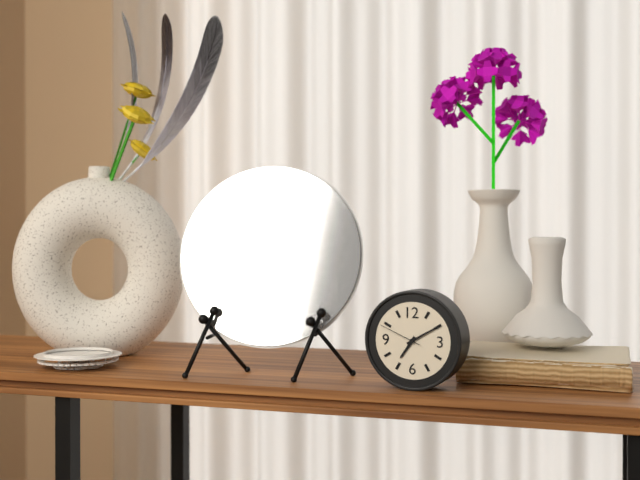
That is 7,10
